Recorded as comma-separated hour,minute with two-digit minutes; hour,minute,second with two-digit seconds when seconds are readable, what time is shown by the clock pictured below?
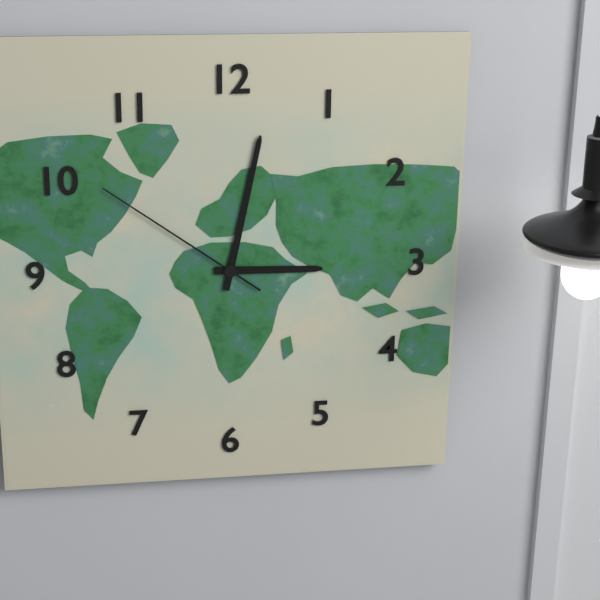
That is 3,02,51
